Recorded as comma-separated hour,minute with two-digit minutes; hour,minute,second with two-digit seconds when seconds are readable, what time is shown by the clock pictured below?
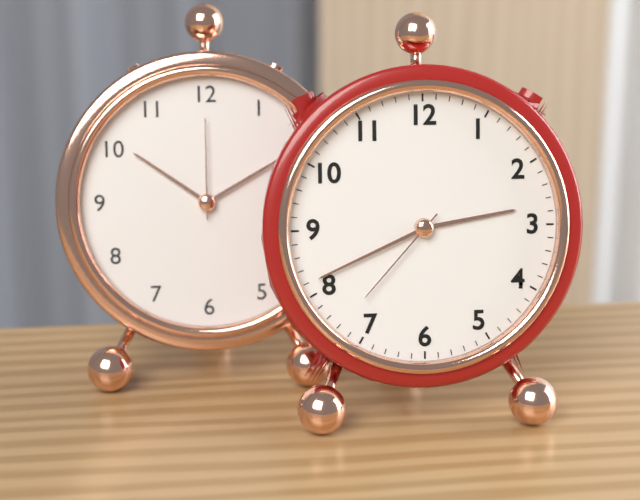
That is 2,41,37
